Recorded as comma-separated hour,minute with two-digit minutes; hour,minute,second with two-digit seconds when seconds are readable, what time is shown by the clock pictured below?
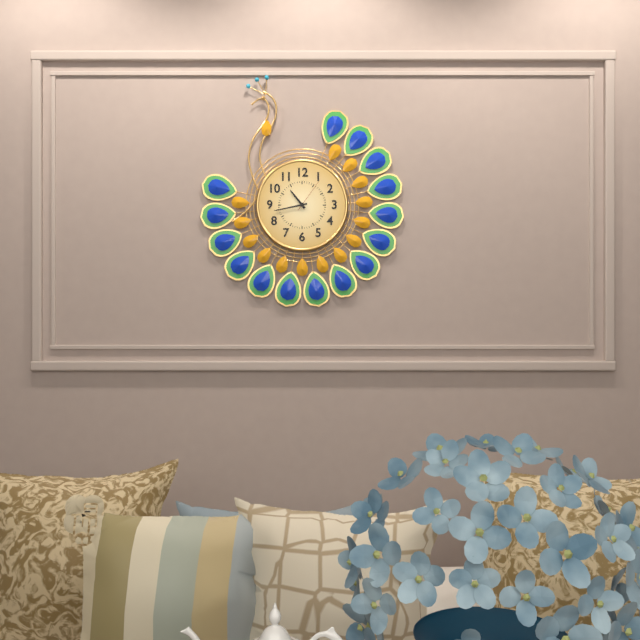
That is 10,43
